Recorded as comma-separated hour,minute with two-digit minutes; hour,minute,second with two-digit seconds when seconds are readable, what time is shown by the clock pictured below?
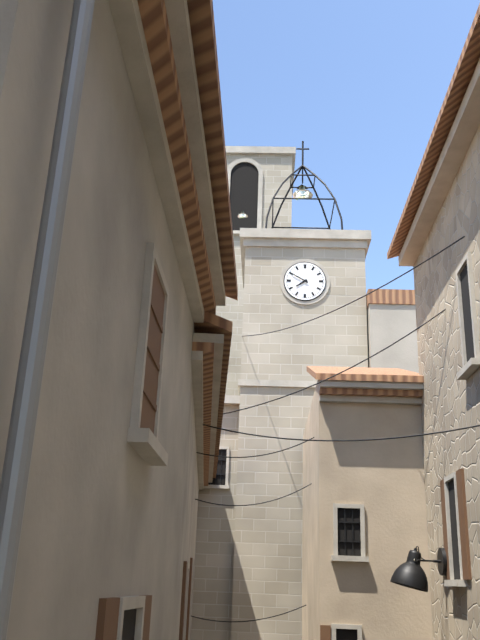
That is 7,50
